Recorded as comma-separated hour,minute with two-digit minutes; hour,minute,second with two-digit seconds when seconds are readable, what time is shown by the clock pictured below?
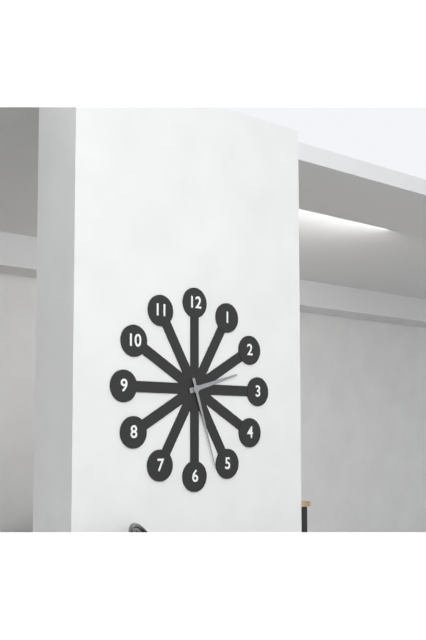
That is 2,27
